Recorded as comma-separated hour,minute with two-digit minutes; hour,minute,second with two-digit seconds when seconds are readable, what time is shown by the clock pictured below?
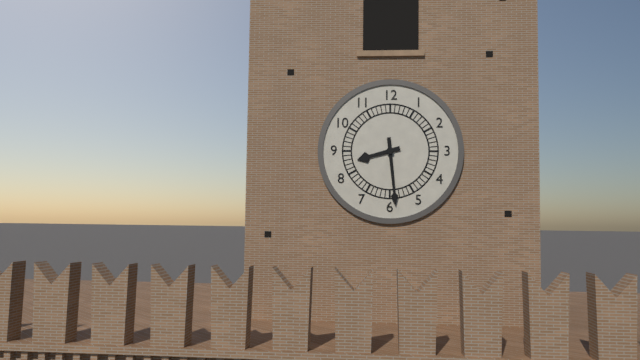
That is 8,29
